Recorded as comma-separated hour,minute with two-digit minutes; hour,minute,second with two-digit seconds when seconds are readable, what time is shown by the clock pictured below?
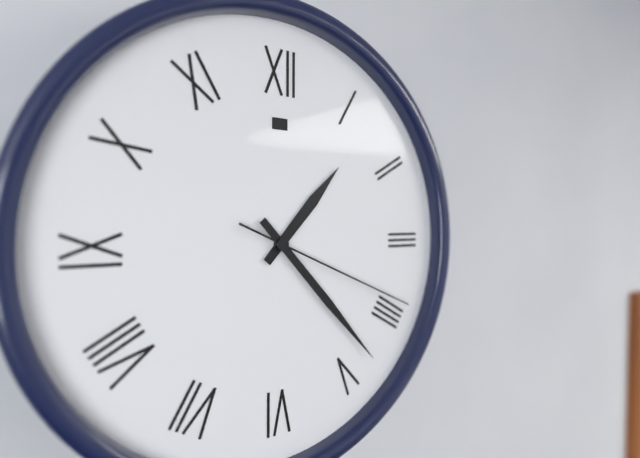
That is 1,23,19
